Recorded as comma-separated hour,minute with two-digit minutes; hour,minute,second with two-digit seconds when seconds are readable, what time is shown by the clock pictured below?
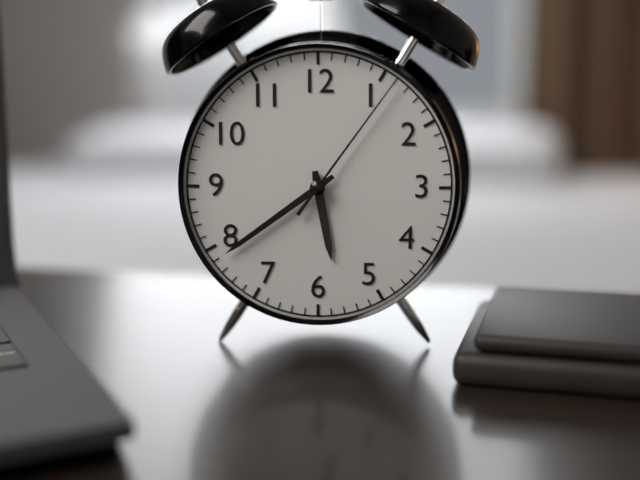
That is 5,39,06
